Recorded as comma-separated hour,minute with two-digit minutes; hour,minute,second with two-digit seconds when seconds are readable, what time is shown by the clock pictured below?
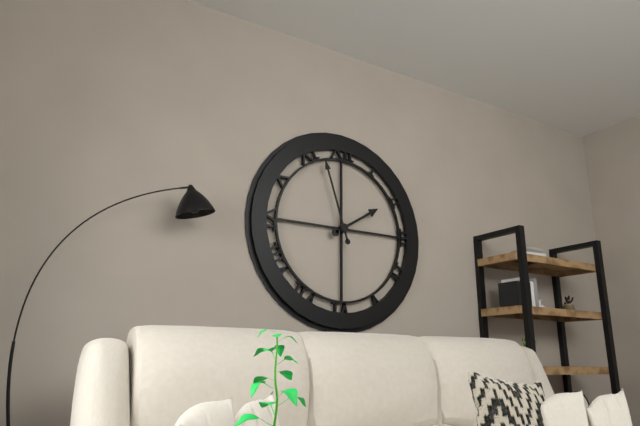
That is 1,57
